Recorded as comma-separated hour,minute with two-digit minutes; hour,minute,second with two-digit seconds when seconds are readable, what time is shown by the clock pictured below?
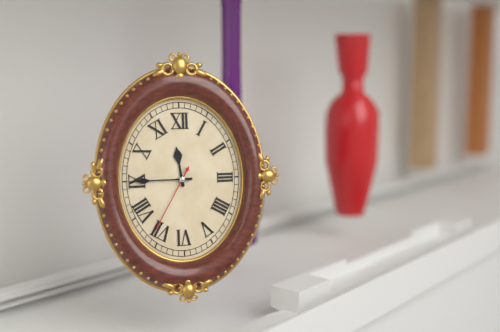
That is 11,45,35
